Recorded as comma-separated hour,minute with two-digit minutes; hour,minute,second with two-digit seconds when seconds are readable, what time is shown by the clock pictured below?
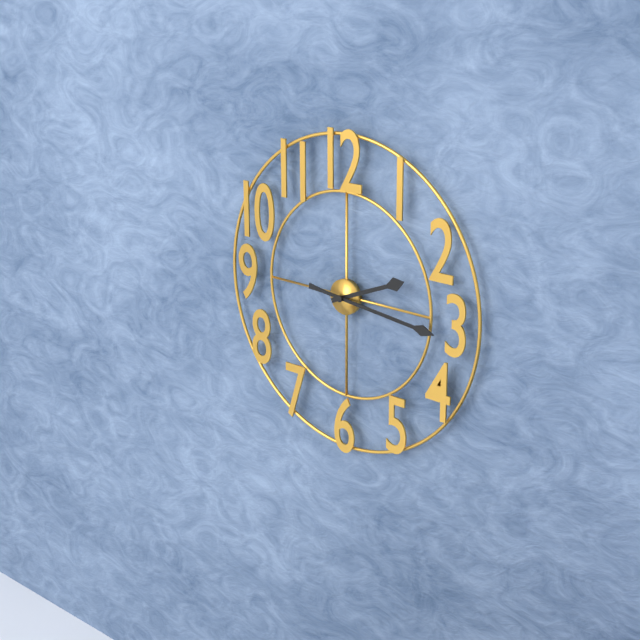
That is 2,16
